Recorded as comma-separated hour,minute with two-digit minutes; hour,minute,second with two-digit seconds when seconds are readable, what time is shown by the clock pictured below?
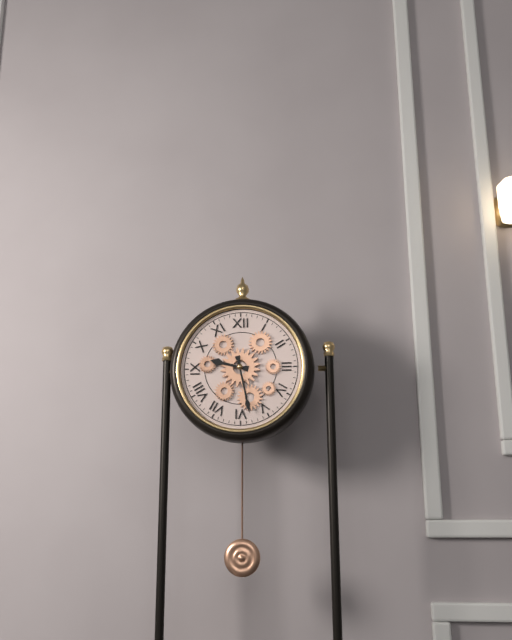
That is 9,28
